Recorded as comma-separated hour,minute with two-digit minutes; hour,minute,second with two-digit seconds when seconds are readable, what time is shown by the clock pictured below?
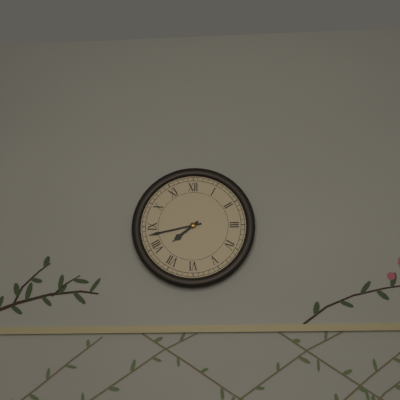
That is 7,43
